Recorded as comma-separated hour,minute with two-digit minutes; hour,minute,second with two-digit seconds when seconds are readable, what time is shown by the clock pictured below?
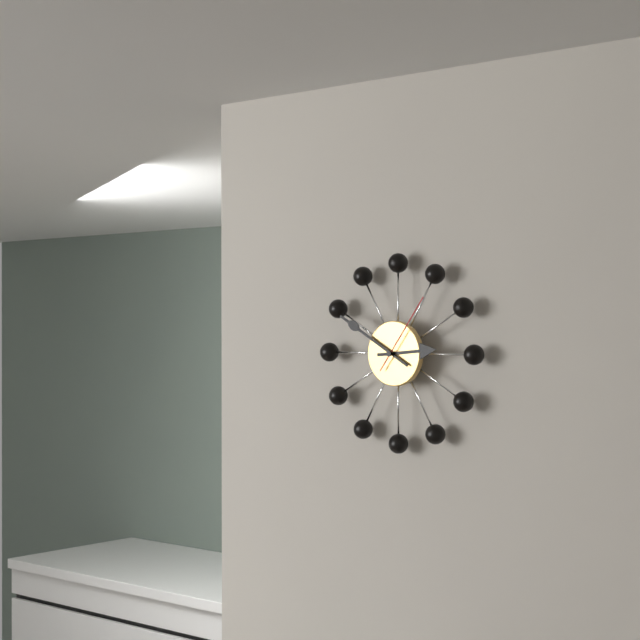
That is 2,50,06
